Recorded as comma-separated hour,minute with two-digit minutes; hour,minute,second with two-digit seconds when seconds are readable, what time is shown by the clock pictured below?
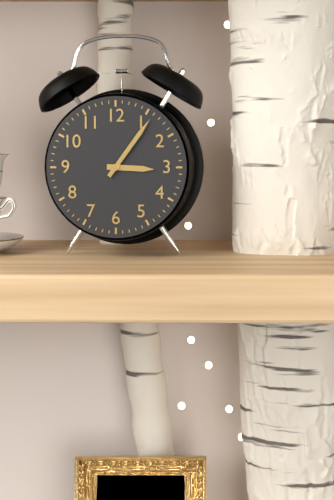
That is 3,06
